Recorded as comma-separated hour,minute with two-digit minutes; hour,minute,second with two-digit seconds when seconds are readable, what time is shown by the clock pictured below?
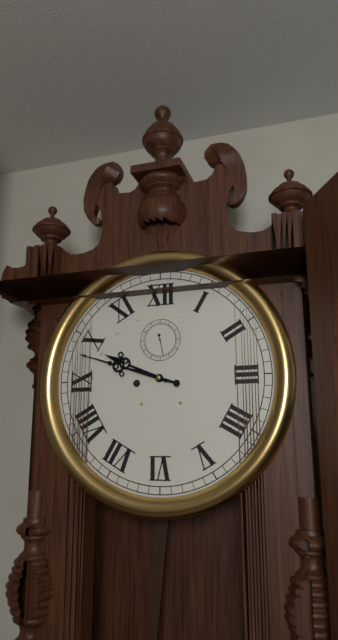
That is 9,48
